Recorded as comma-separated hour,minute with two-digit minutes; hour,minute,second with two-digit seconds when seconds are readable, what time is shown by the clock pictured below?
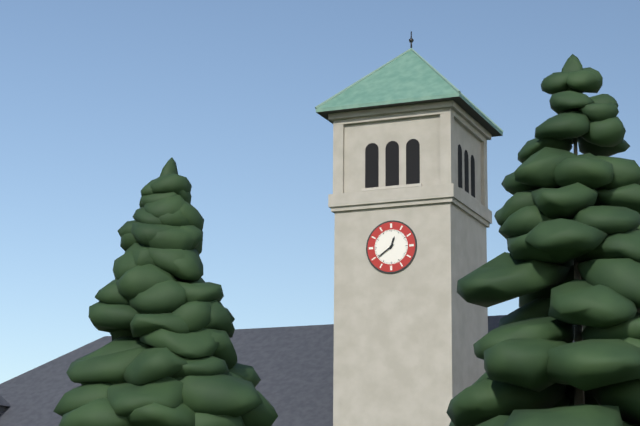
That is 12,39
